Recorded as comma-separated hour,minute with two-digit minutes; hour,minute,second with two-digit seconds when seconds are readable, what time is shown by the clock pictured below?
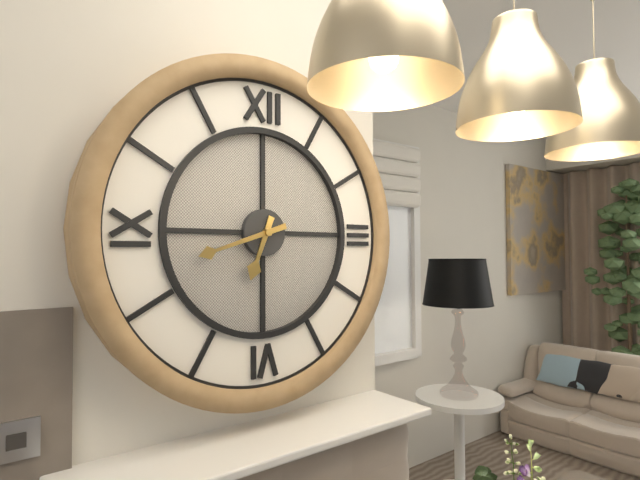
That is 6,42
